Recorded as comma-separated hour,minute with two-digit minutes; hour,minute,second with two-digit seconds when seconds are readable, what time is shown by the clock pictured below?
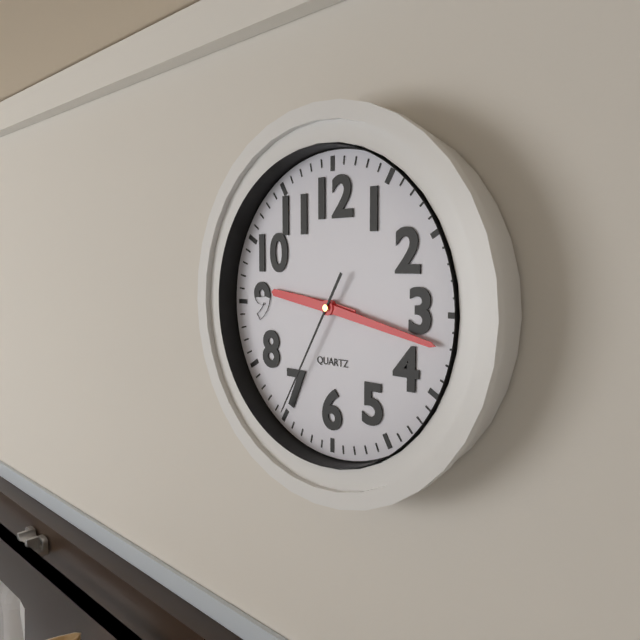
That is 9,17,35
